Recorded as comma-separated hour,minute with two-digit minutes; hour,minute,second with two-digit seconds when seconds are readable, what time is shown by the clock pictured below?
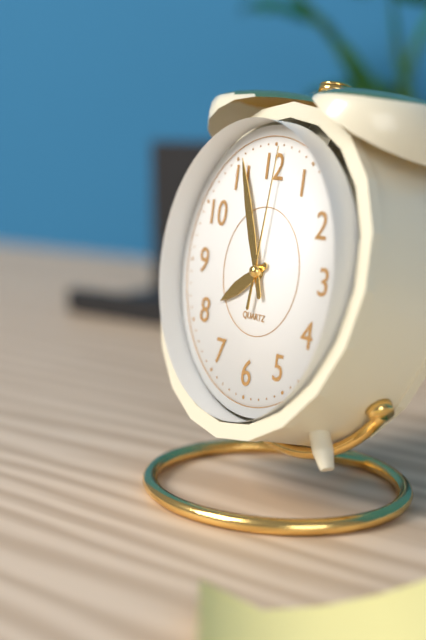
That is 7,56,01
